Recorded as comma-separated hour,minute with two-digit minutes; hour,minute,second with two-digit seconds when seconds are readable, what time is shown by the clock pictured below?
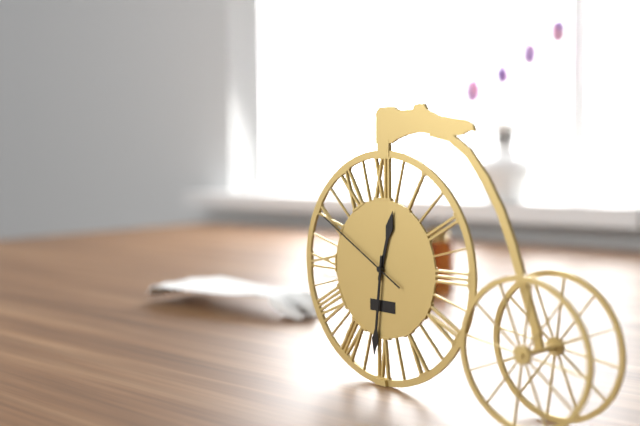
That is 12,31,50
